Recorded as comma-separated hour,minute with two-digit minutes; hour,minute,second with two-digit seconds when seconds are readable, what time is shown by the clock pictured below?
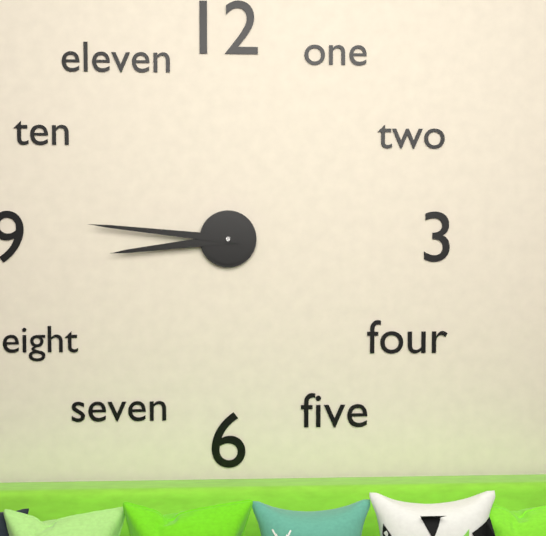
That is 8,46
